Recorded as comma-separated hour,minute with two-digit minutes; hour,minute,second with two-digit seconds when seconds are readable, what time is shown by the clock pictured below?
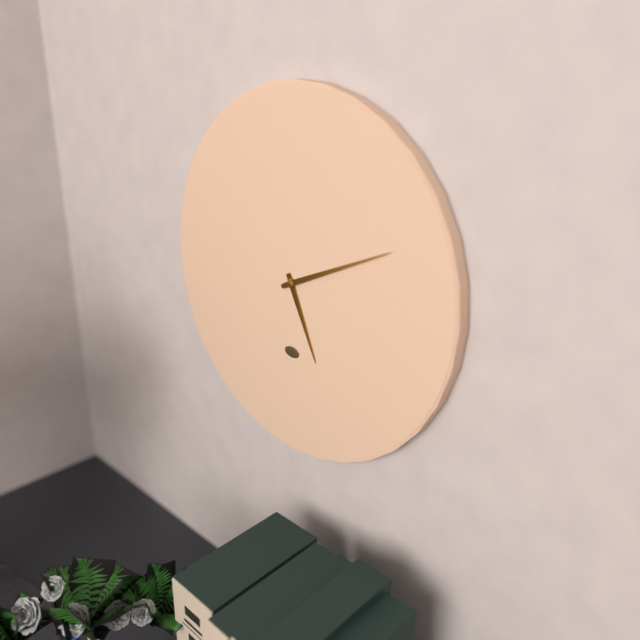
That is 5,11
